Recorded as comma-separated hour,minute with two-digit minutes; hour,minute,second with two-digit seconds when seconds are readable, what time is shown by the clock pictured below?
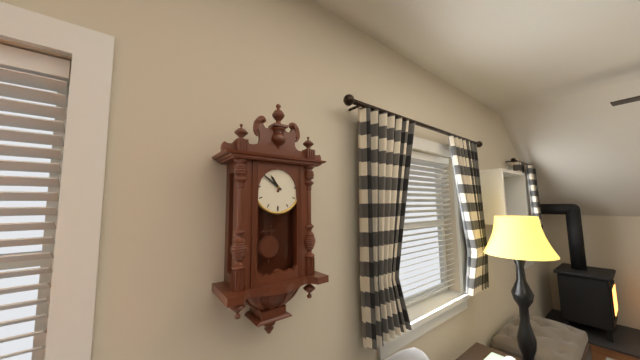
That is 10,51
